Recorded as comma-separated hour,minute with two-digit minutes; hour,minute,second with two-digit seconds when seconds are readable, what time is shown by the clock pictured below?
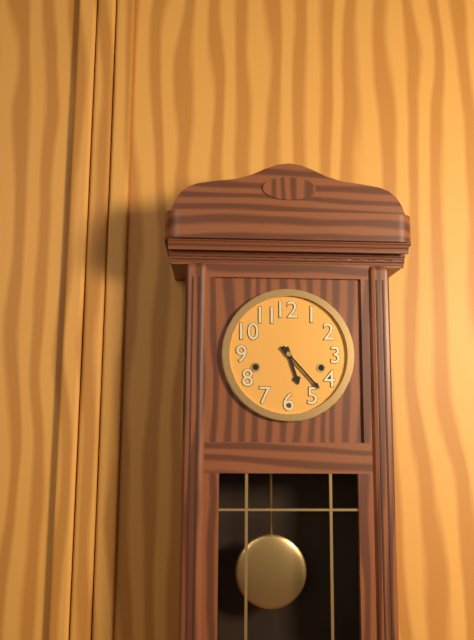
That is 5,23
